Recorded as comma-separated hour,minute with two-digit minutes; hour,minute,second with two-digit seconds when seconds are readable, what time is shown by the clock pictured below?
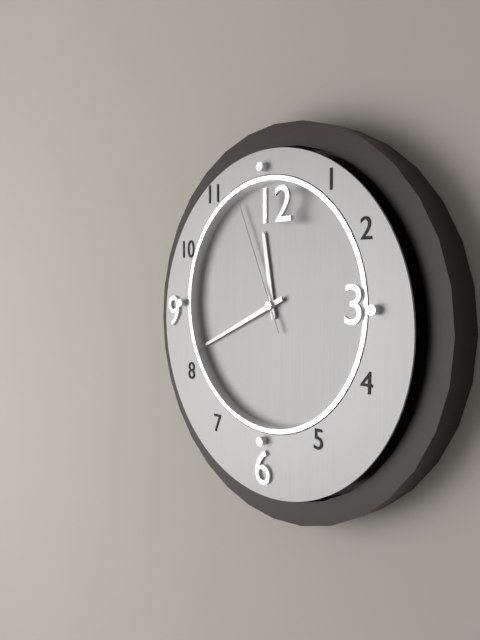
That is 11,41,56
